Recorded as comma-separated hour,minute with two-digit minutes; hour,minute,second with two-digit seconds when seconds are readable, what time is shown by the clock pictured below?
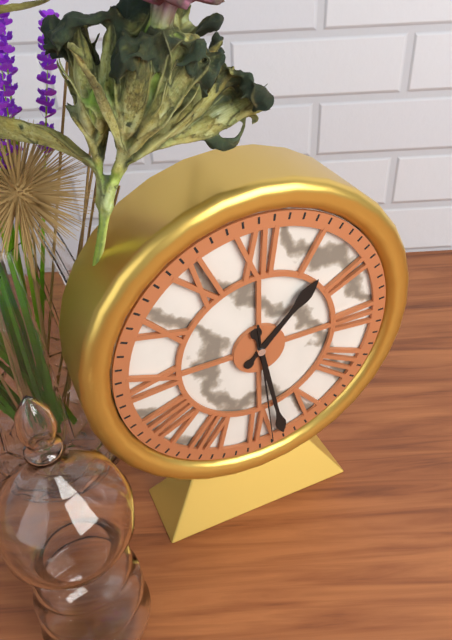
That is 1,28,29
